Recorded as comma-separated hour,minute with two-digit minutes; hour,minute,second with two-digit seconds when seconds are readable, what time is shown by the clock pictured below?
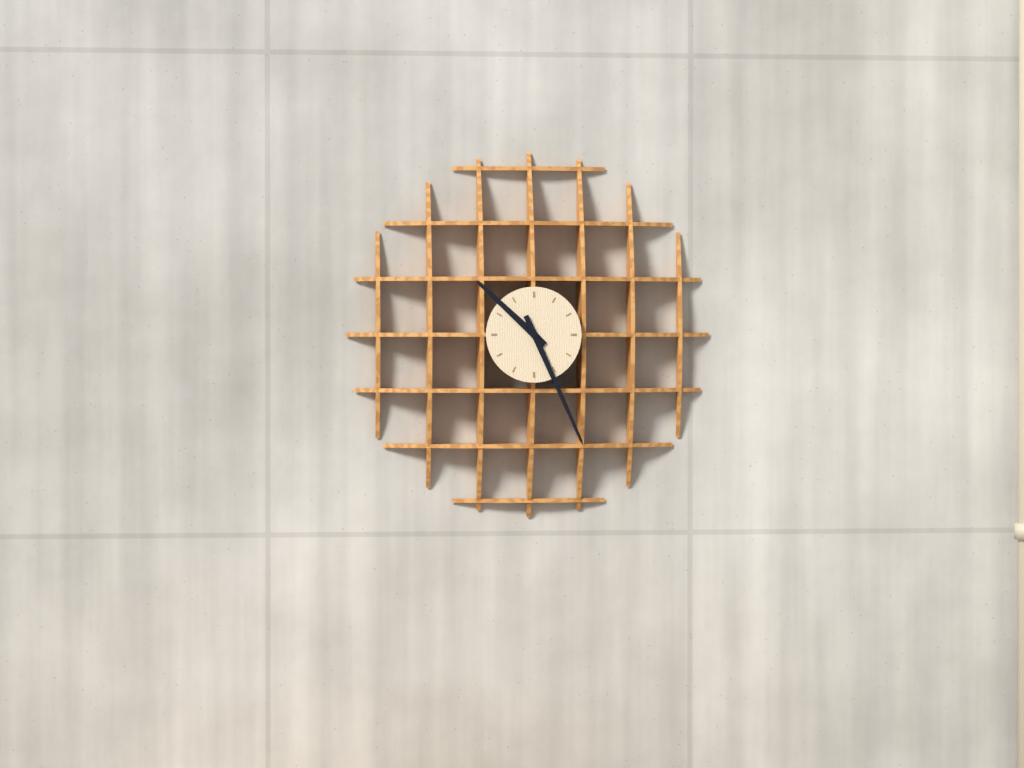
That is 10,26
